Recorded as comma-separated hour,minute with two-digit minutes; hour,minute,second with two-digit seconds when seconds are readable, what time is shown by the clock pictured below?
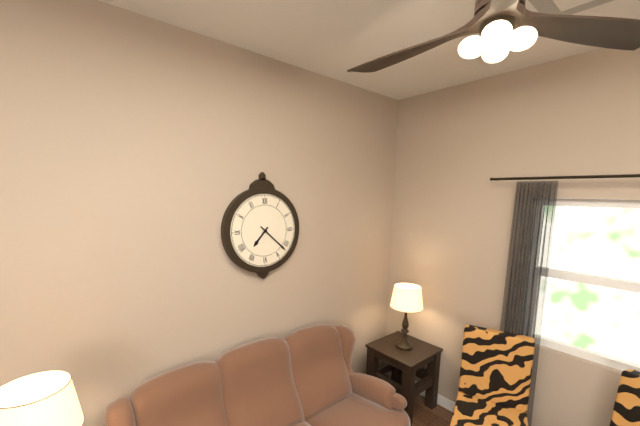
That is 7,22
